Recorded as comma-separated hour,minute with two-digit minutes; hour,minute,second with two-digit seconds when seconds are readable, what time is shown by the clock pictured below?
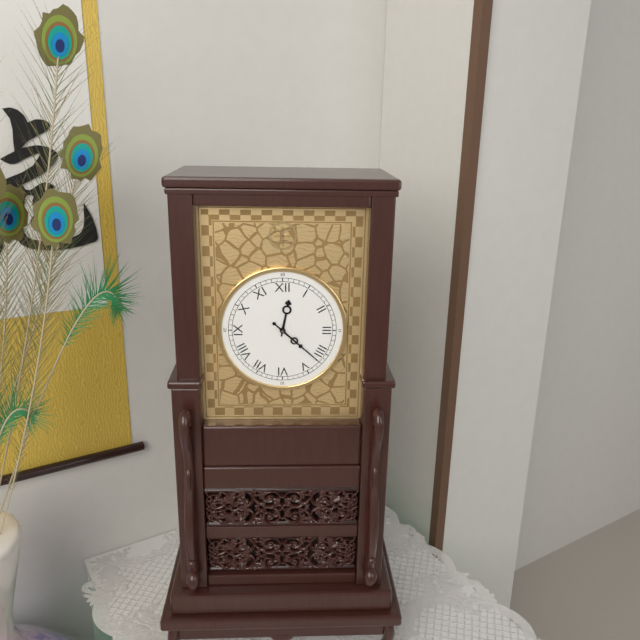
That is 12,22
